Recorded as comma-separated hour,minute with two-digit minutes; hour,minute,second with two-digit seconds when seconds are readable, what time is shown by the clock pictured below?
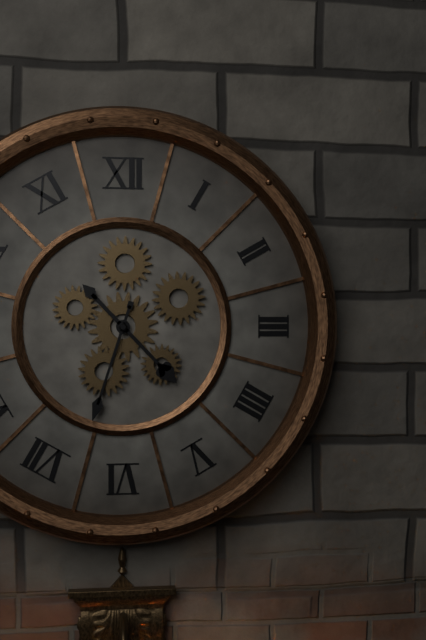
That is 4,33
